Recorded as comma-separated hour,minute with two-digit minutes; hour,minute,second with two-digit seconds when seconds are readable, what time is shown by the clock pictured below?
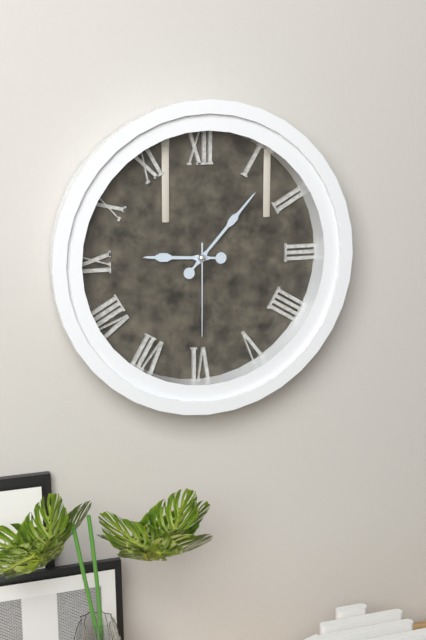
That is 9,07,30
